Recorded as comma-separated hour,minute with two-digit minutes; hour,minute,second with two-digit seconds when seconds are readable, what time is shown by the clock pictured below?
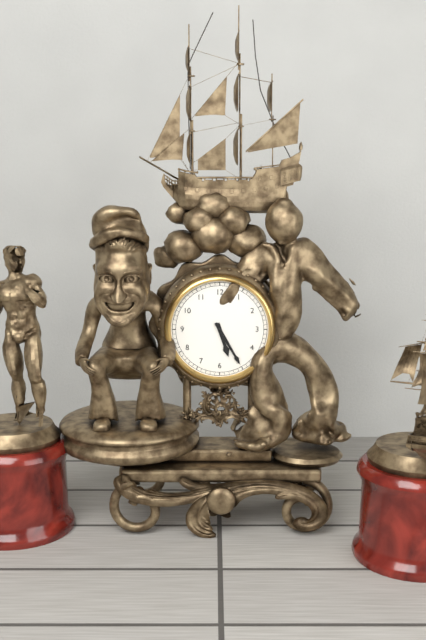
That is 5,25
